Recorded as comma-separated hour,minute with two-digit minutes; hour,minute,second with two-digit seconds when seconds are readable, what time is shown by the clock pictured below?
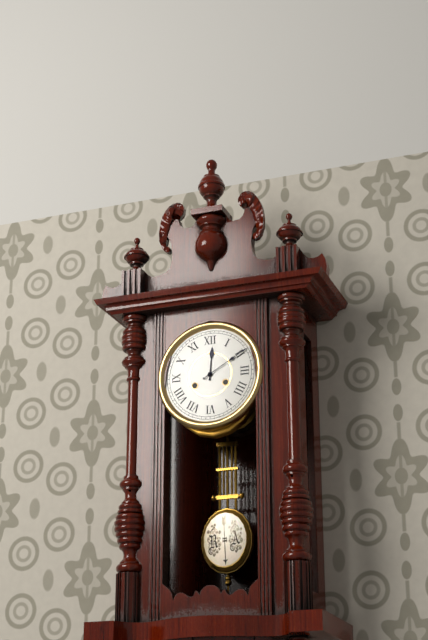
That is 12,10
